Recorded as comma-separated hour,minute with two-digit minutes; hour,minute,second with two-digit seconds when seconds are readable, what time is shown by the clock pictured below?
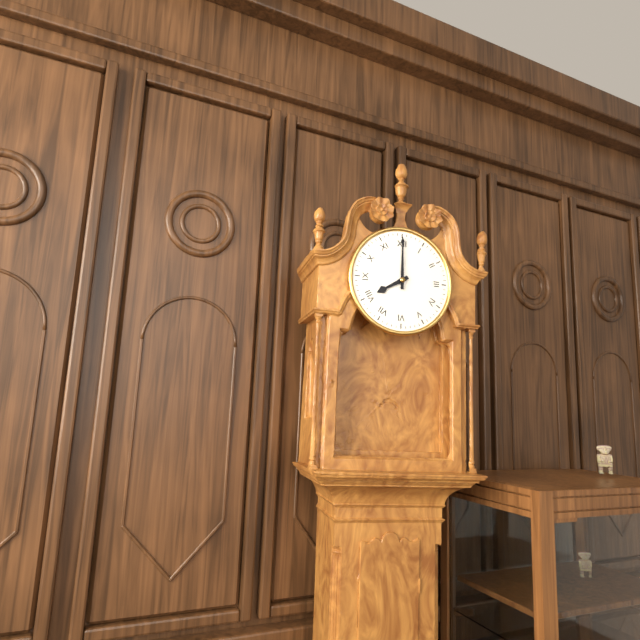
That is 8,00
